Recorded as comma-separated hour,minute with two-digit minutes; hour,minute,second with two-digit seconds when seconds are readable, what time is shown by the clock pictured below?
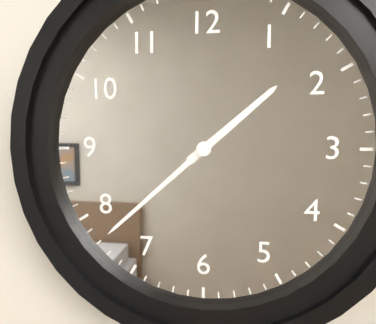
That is 1,38
